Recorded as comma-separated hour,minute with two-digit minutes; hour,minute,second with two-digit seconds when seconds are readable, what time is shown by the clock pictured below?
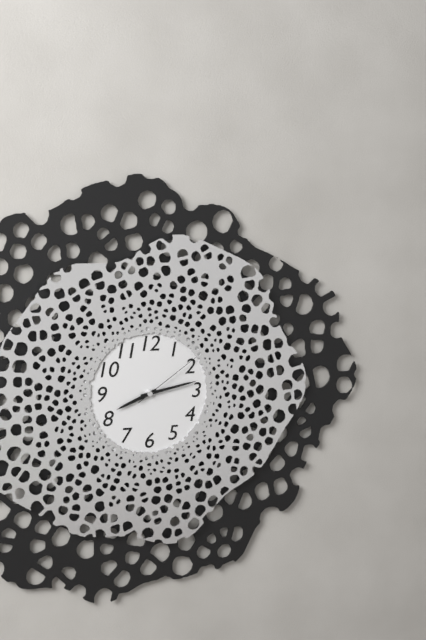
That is 8,13,09
